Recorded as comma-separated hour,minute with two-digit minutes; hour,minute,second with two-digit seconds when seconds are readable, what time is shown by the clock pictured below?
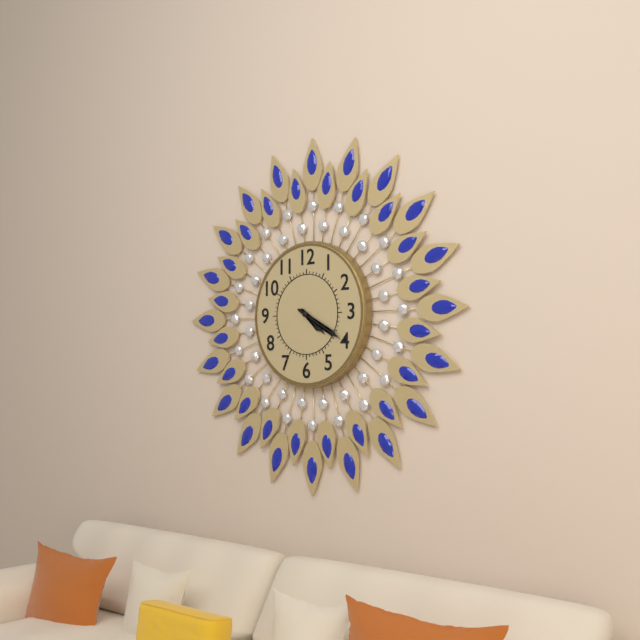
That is 4,20
